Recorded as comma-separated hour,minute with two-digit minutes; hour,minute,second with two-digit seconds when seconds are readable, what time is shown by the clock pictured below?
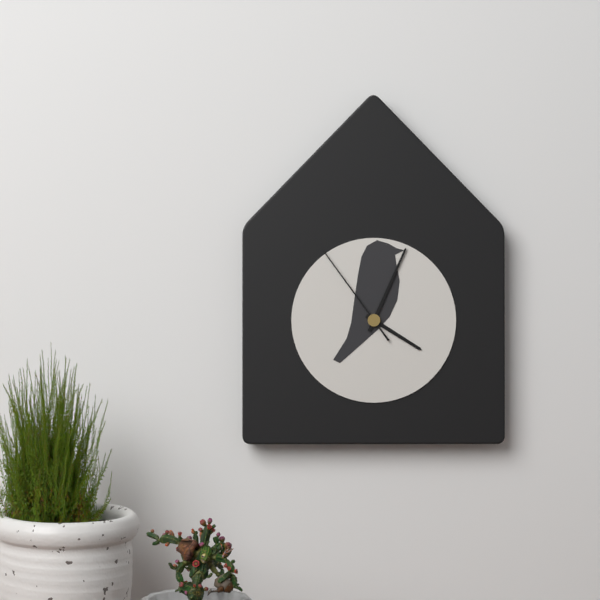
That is 4,04,54
